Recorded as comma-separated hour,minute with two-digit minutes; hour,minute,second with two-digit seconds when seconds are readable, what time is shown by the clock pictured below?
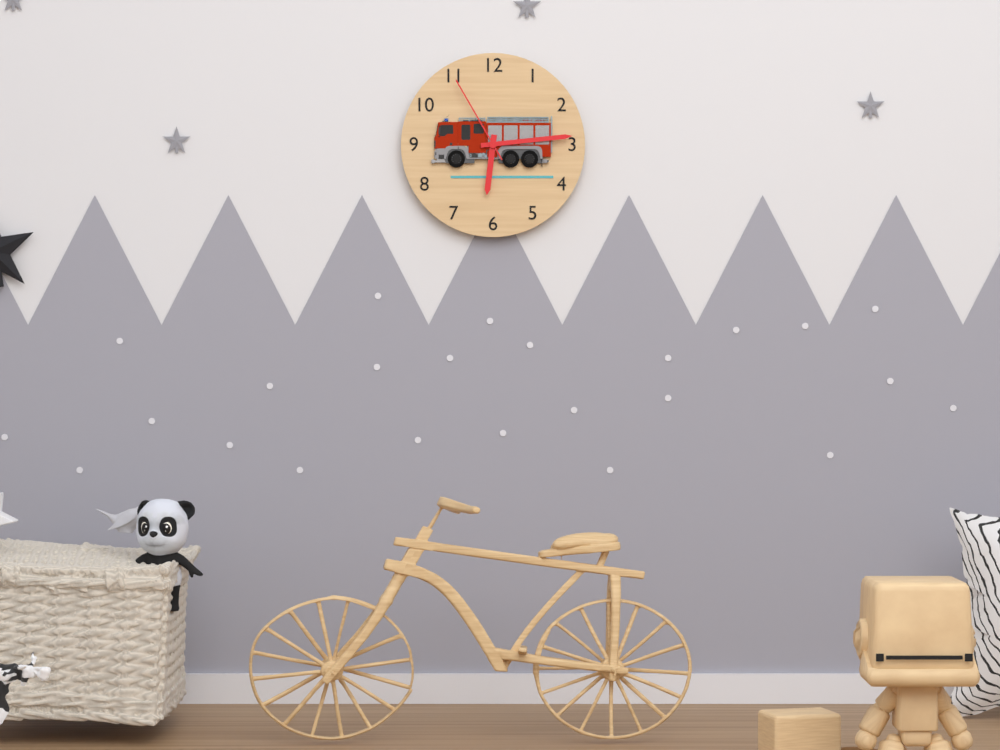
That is 6,14,55
